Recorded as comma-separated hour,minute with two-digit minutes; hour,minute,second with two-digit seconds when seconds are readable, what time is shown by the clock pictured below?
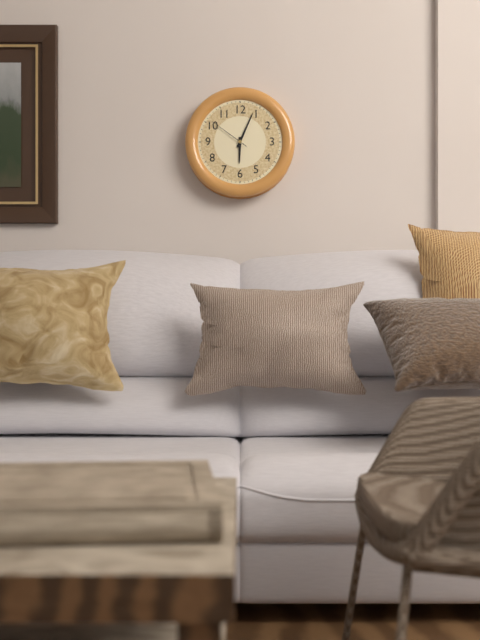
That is 6,04
